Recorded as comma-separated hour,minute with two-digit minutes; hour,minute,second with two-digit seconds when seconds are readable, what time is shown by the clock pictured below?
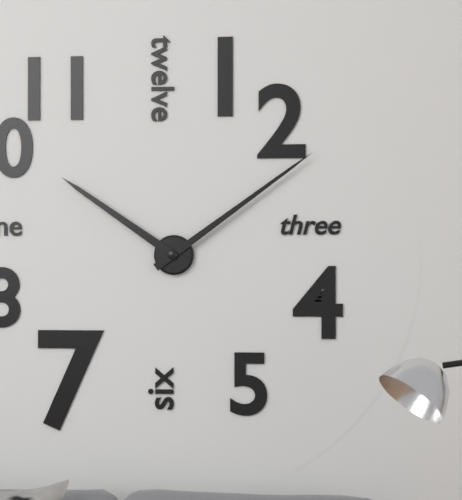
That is 10,09
